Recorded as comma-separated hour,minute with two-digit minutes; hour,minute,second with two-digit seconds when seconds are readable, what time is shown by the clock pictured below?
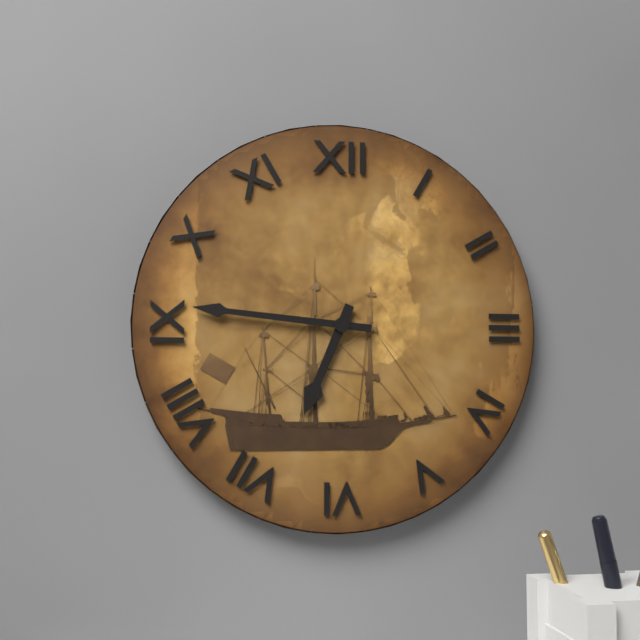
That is 6,46
